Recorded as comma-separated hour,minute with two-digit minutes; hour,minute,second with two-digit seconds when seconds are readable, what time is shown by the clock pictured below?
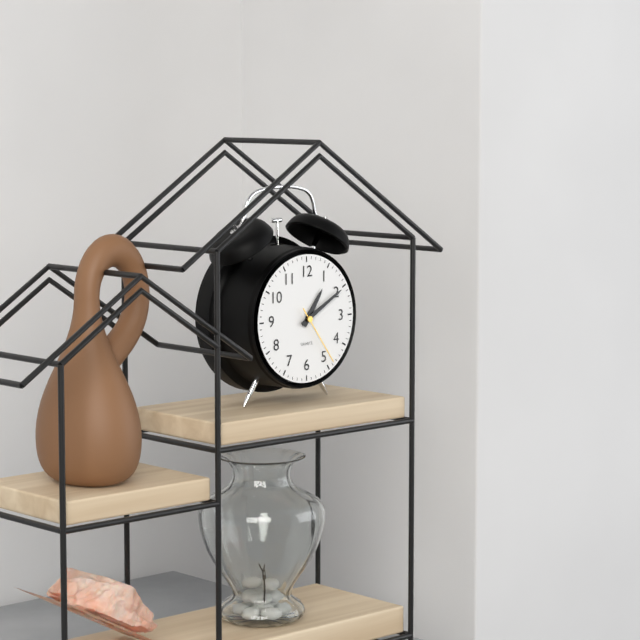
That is 1,10,24
